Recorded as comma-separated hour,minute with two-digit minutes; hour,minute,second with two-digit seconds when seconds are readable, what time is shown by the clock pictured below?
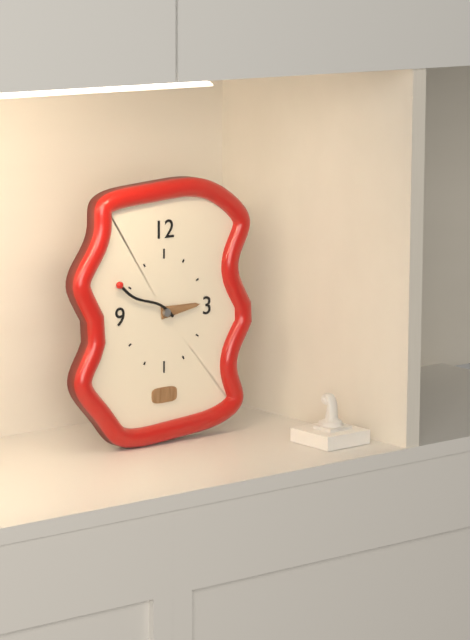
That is 2,50
